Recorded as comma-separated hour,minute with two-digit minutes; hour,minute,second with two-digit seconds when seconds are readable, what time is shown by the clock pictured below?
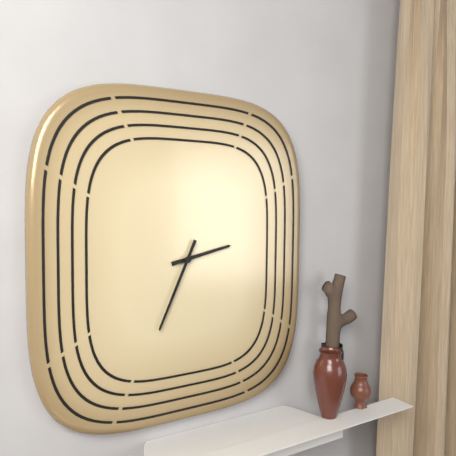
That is 2,34
